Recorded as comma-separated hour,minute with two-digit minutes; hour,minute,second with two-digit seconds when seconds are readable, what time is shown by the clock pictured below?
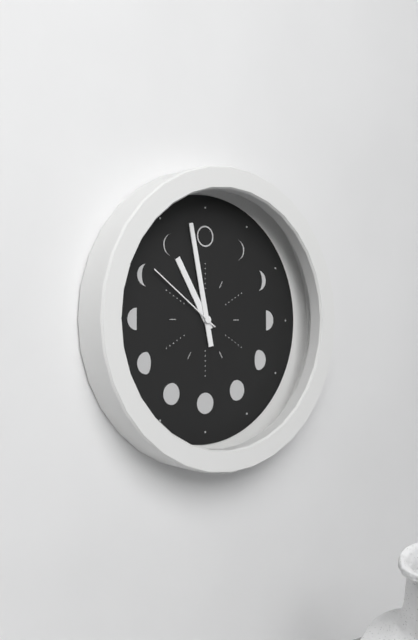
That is 10,58,51
